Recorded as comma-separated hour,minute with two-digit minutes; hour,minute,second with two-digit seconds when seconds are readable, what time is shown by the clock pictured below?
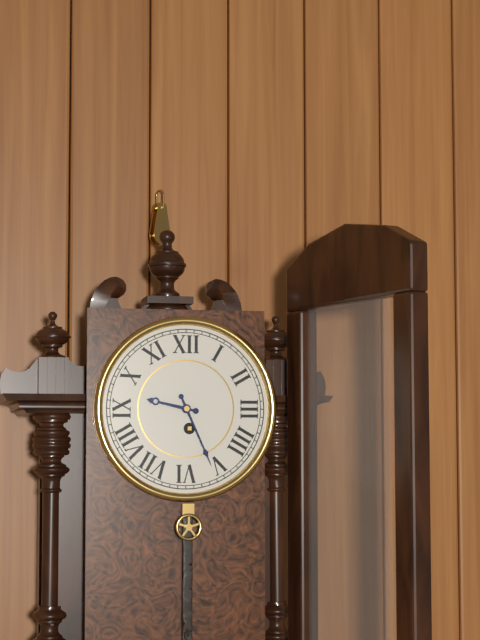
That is 9,26
